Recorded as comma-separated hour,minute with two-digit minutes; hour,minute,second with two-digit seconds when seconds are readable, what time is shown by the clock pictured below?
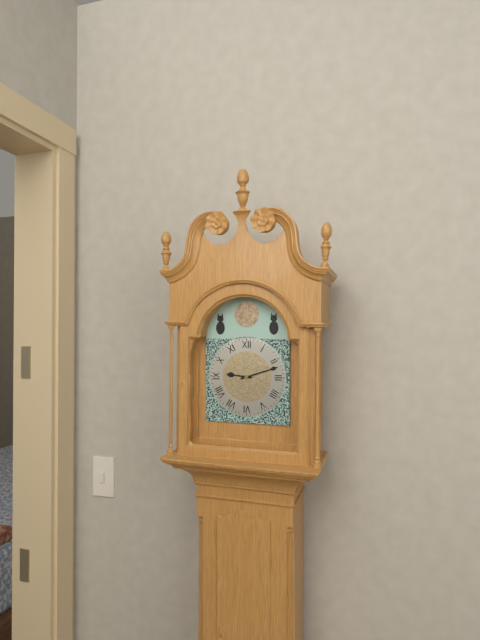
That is 9,12
